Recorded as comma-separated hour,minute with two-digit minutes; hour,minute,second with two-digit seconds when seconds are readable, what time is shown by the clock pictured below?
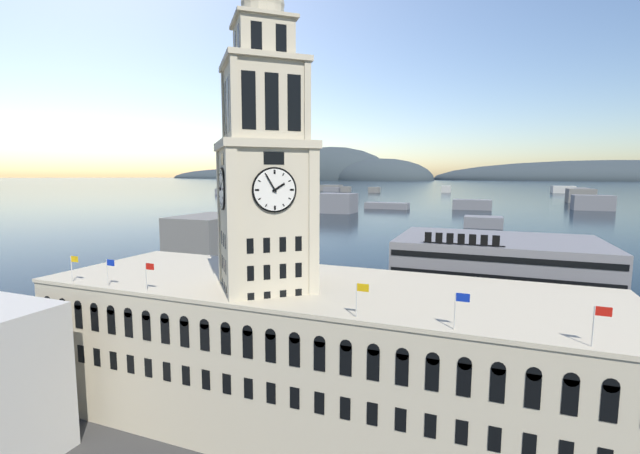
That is 1,55
